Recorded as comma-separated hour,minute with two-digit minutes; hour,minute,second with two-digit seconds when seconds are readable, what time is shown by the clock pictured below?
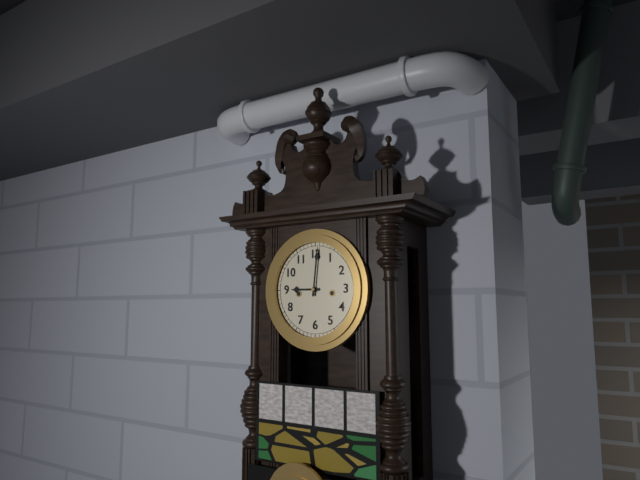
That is 9,01
